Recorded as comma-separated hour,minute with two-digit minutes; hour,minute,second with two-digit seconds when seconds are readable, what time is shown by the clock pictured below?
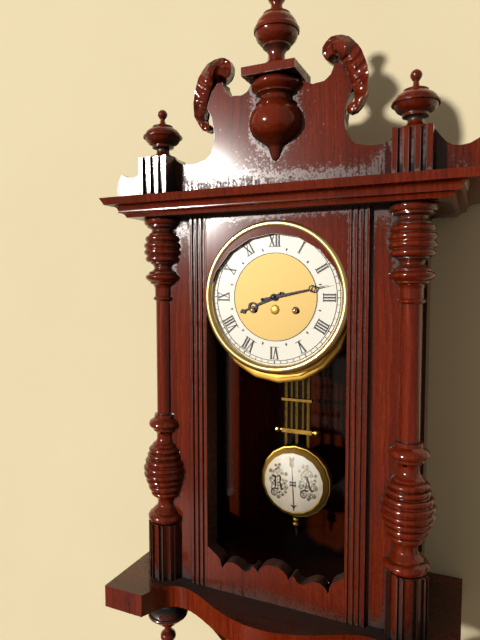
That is 8,13
